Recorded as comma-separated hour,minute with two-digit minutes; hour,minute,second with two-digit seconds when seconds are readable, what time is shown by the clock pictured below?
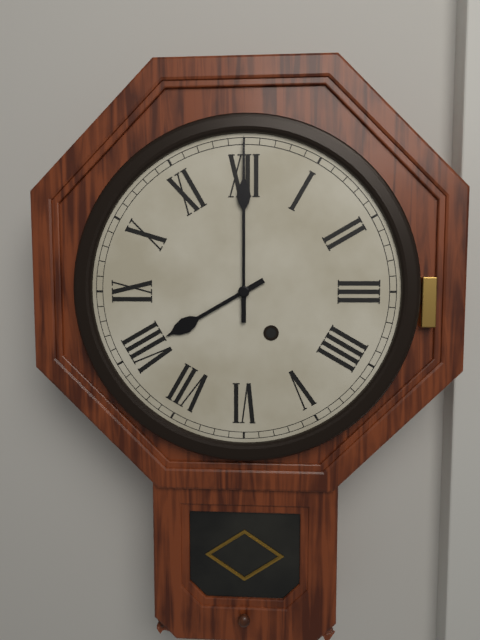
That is 8,00
